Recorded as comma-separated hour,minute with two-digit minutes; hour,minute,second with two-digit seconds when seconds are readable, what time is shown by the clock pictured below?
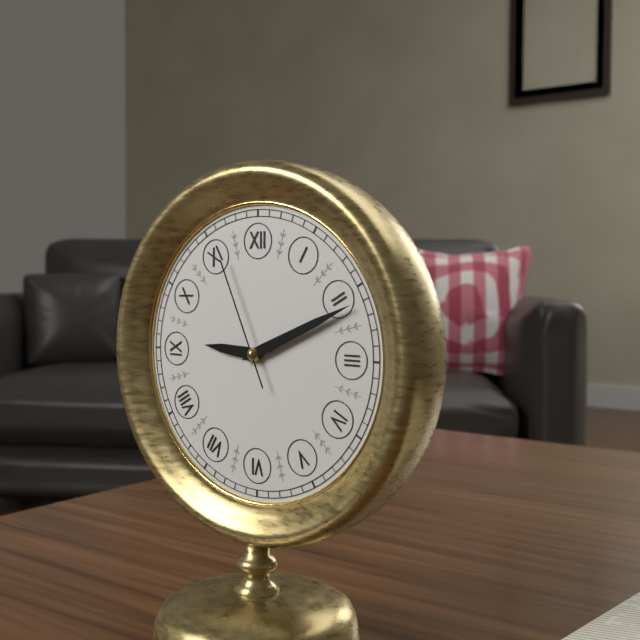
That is 9,11,56
